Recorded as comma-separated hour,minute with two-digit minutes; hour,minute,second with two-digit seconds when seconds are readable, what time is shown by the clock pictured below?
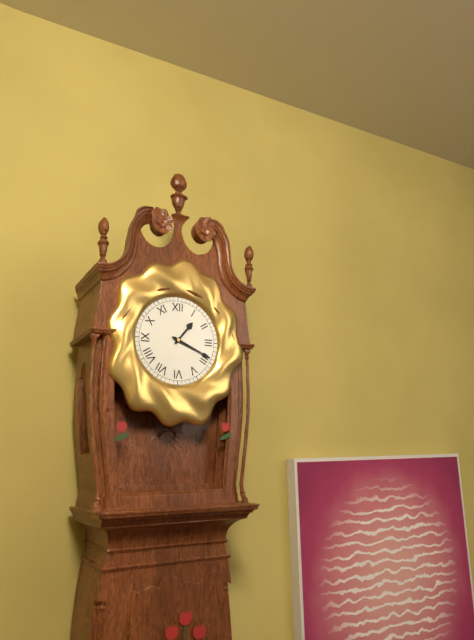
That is 1,19
